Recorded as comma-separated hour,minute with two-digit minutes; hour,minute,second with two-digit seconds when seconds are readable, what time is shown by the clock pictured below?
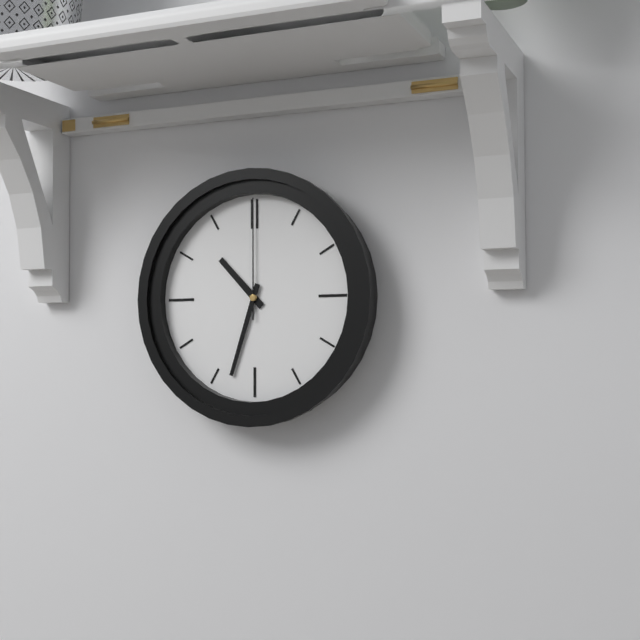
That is 10,33,00
